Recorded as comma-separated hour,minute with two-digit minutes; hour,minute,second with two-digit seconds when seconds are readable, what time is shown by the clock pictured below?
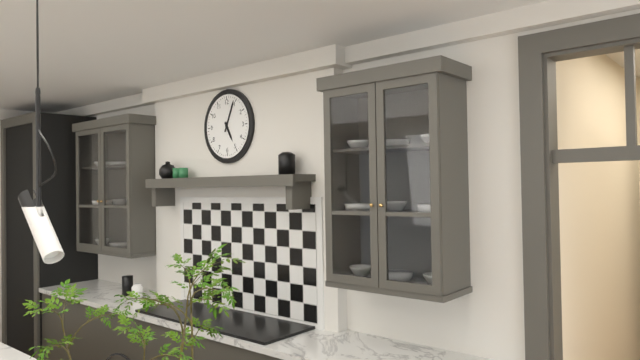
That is 5,04
